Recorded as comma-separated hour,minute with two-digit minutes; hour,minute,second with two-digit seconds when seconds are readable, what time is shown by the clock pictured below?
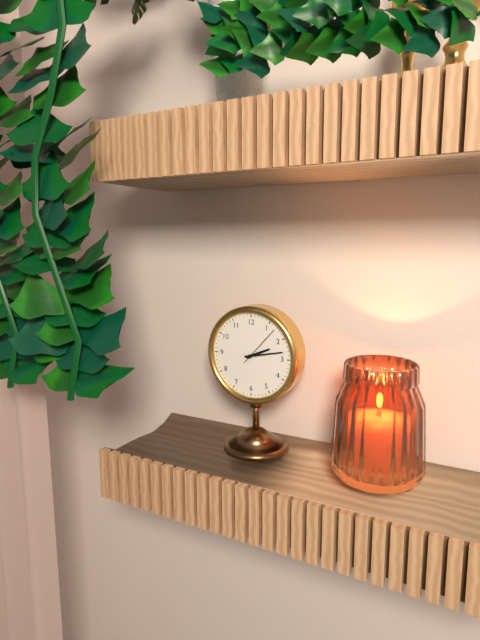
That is 2,13
